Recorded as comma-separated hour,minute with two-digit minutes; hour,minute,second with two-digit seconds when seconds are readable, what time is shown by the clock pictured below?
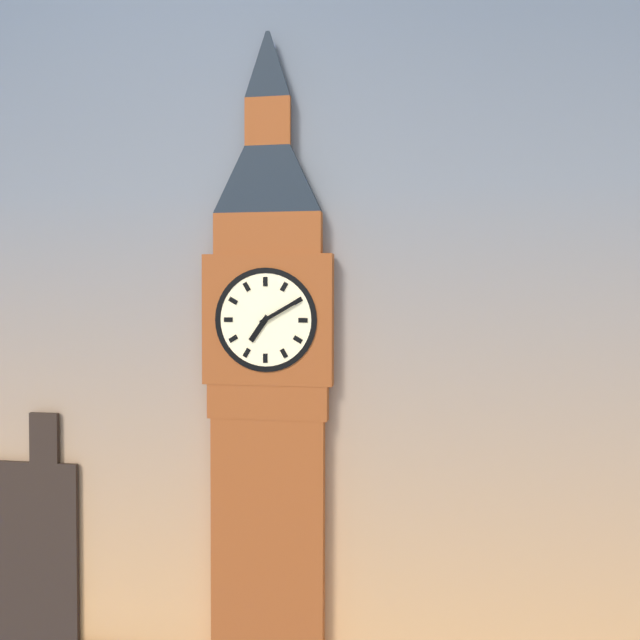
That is 7,10
